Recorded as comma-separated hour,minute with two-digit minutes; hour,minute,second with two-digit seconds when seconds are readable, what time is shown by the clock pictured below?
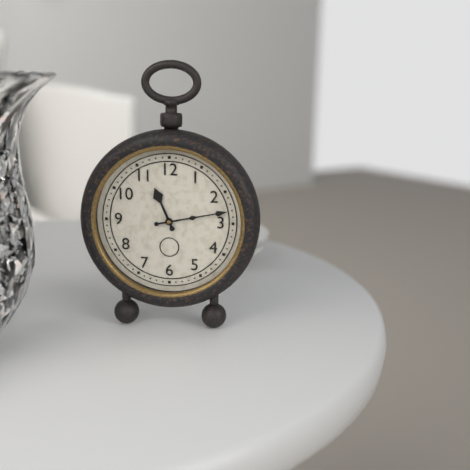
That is 11,13
